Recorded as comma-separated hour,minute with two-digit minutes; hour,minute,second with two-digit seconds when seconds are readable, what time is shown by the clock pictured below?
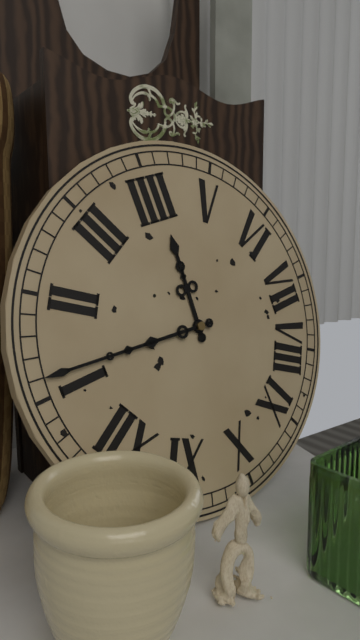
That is 4,06
